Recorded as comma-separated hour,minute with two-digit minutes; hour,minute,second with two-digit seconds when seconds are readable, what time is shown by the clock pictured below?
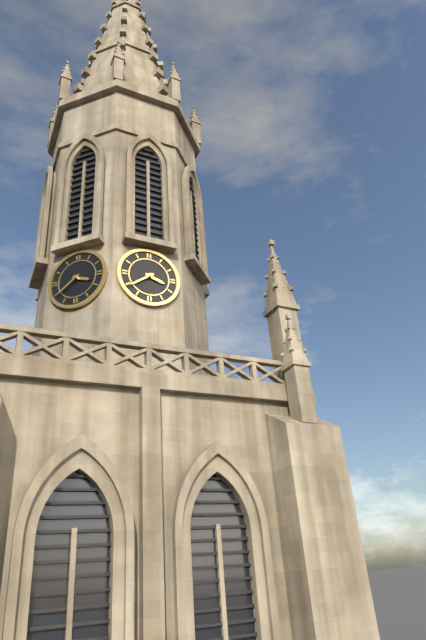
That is 3,39
